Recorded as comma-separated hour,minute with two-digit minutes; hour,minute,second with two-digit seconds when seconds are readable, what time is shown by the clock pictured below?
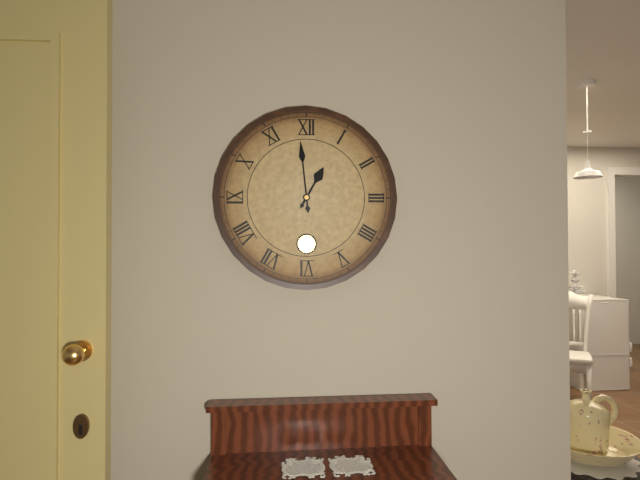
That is 12,59
